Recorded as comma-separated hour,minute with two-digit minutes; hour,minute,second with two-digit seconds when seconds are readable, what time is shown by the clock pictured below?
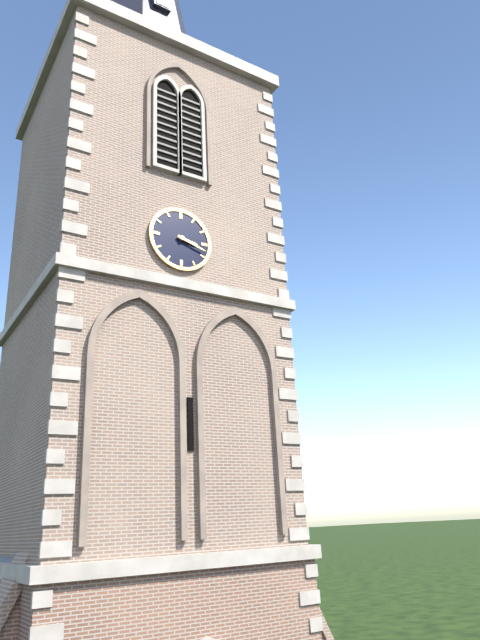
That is 3,18
